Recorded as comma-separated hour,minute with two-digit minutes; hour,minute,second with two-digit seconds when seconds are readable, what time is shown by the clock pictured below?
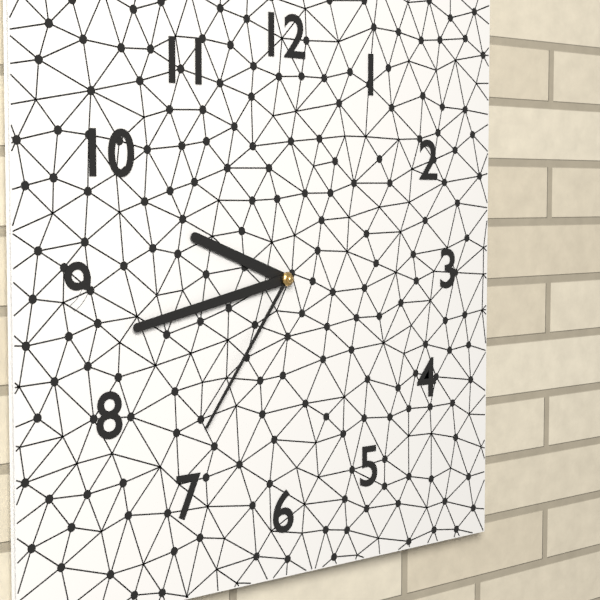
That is 9,43,36
